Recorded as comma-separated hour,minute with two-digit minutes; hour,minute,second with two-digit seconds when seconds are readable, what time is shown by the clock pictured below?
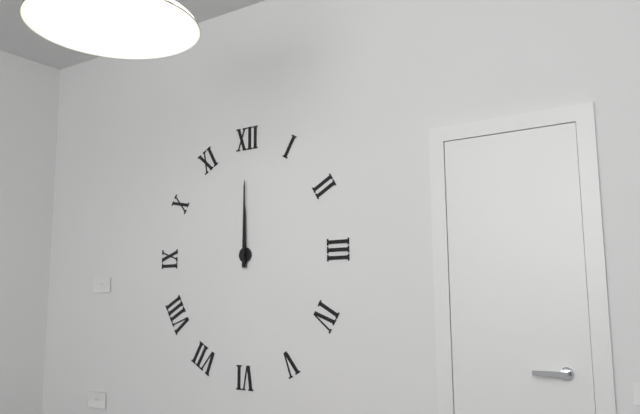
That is 12,00
